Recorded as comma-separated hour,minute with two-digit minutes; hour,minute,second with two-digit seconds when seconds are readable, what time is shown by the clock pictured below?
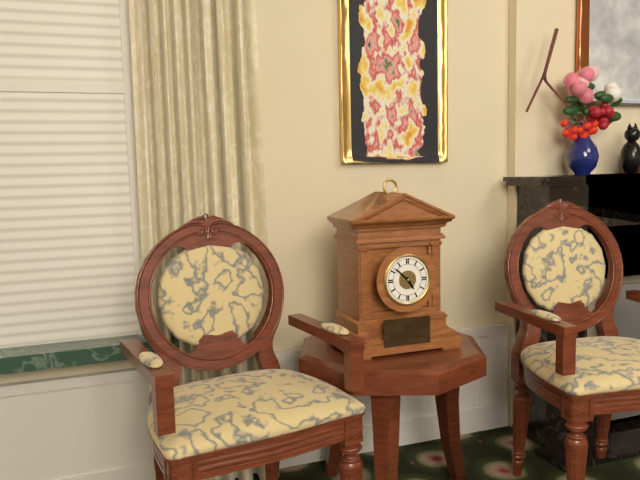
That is 4,52
